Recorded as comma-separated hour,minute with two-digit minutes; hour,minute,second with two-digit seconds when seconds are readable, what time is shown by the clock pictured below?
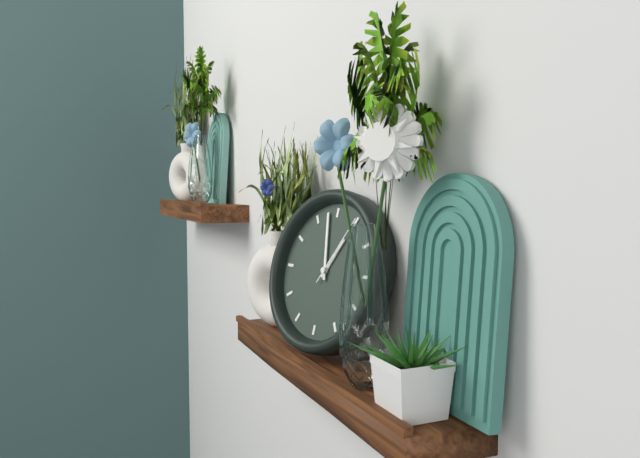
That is 12,58,05
